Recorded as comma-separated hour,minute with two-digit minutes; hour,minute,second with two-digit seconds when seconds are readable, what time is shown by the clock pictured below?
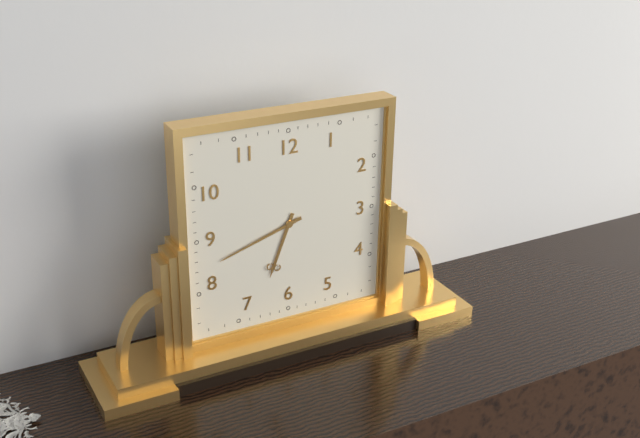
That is 6,42
